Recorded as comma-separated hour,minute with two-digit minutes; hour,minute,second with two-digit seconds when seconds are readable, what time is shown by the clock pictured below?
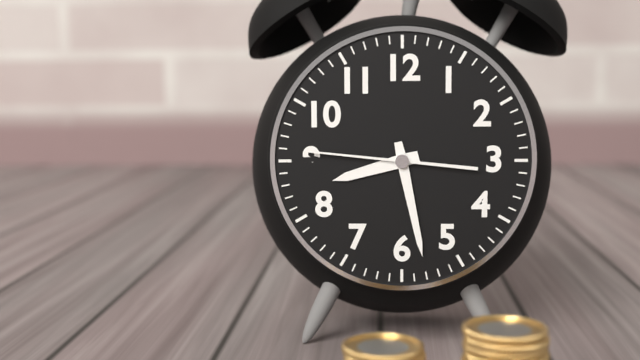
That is 8,28,46
